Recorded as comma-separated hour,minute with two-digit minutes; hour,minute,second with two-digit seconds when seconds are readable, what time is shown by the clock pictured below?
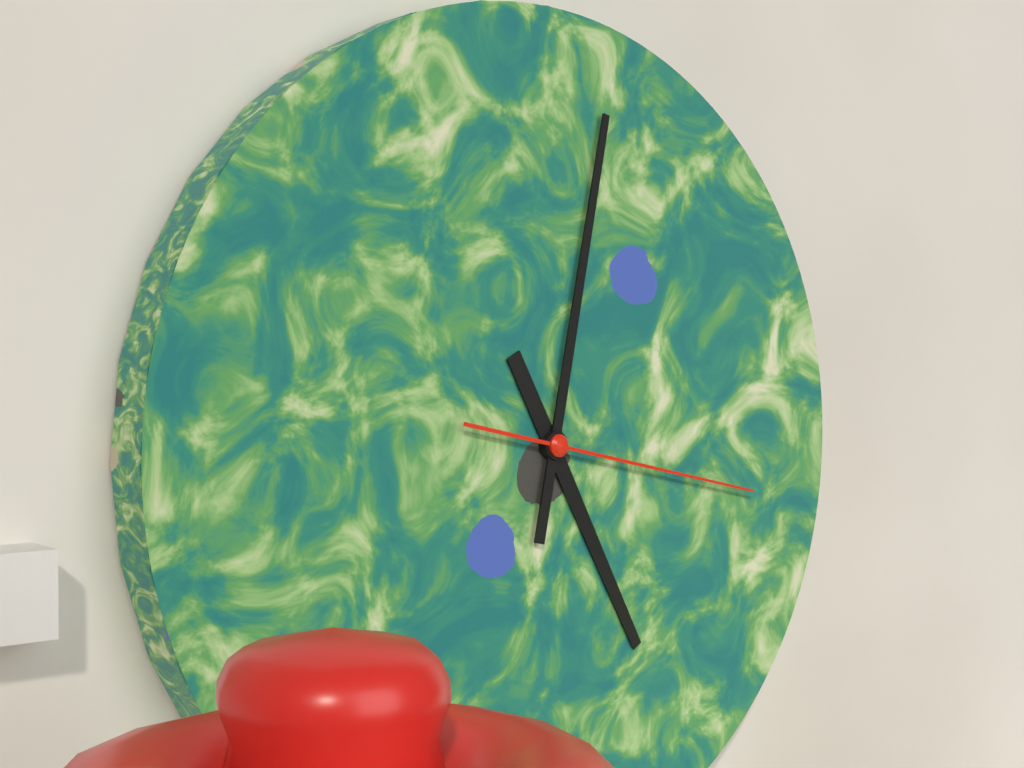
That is 5,02,17
